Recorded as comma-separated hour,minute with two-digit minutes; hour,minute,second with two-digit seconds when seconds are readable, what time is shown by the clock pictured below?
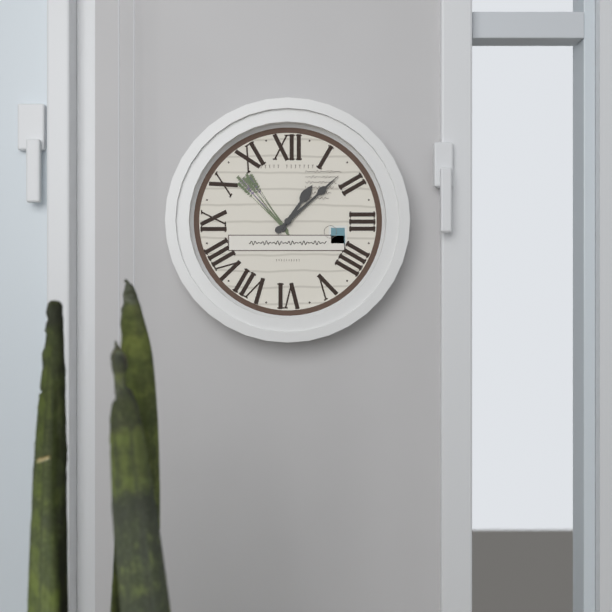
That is 1,08
